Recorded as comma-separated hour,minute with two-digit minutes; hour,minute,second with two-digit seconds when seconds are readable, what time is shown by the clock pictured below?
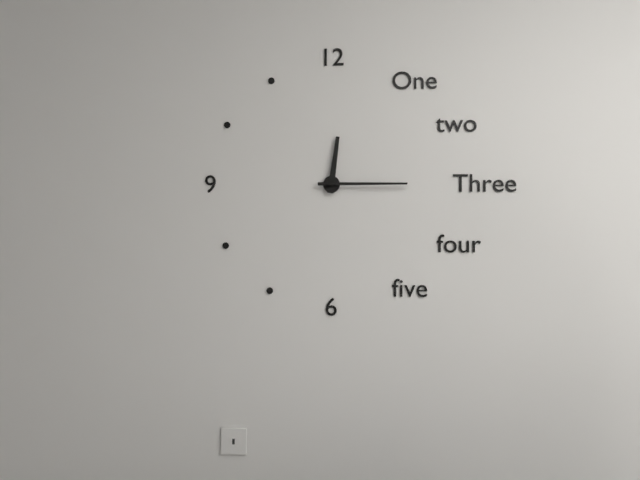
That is 12,15
